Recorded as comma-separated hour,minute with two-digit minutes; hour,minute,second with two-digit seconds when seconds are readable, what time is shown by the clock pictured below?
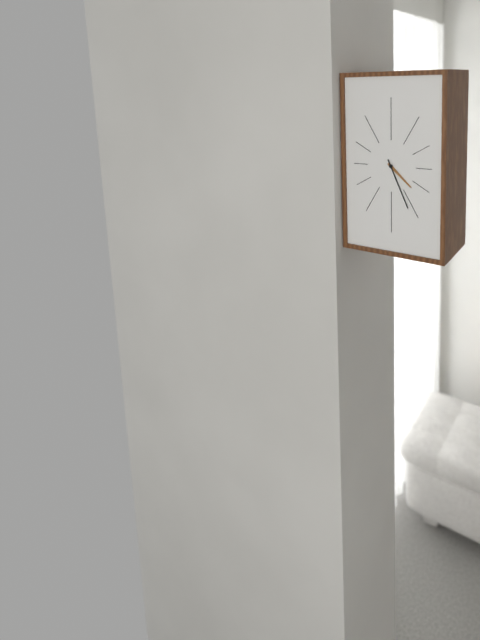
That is 4,26
